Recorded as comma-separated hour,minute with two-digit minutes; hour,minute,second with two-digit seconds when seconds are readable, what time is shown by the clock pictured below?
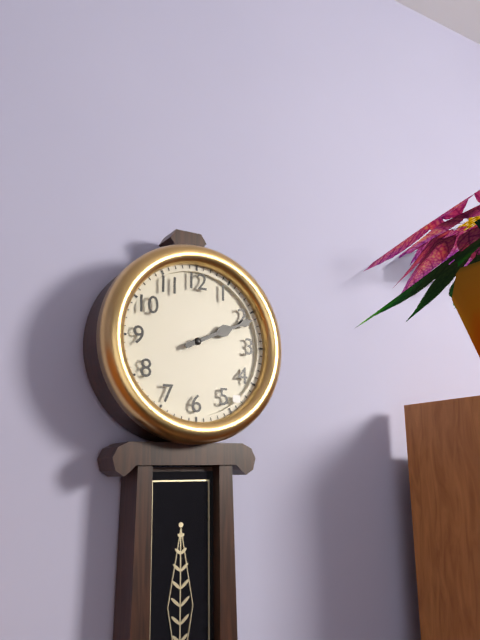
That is 2,11
